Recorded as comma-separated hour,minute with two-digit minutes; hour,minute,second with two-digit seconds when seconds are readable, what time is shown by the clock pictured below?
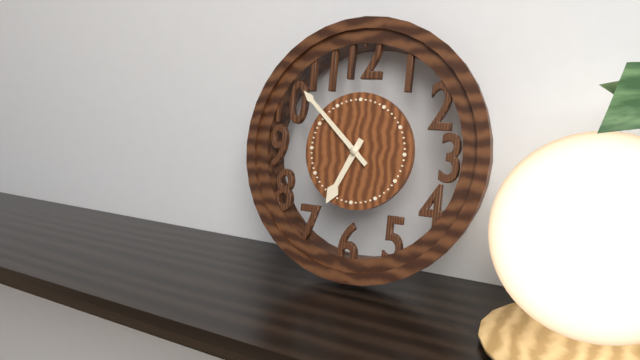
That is 6,52
